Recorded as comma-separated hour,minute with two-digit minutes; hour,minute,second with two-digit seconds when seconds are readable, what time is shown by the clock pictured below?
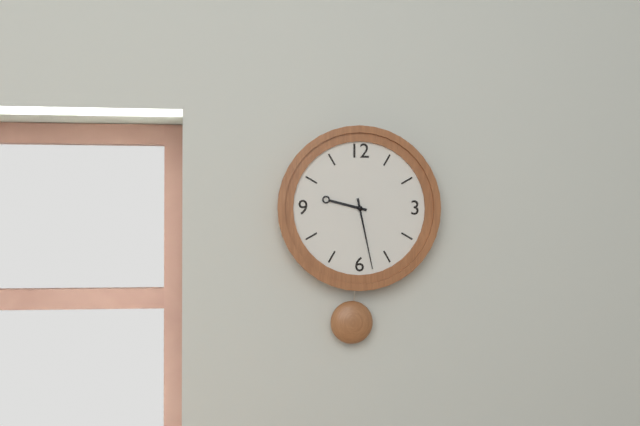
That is 9,28
